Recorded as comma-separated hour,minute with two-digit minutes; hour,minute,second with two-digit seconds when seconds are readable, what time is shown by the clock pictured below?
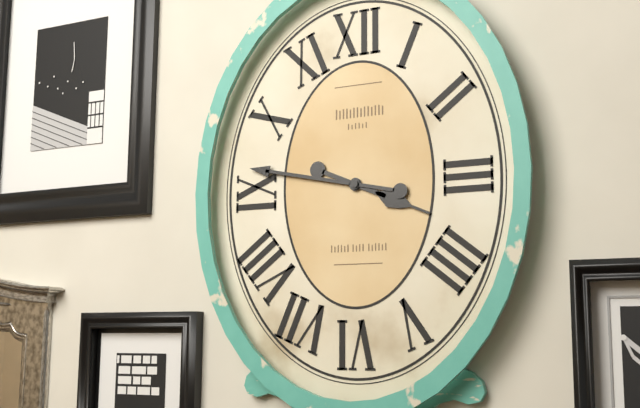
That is 3,47
